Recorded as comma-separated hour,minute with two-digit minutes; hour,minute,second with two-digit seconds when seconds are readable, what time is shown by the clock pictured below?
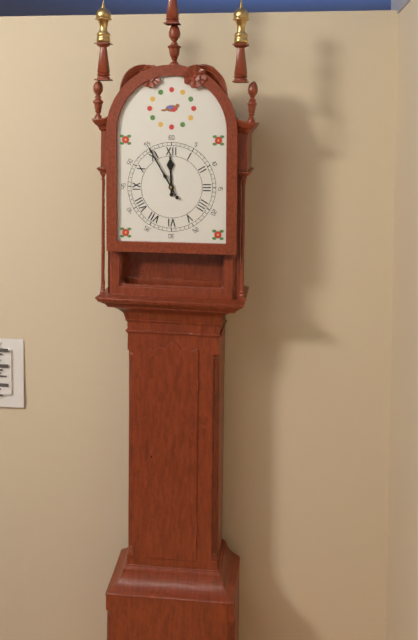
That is 11,55
